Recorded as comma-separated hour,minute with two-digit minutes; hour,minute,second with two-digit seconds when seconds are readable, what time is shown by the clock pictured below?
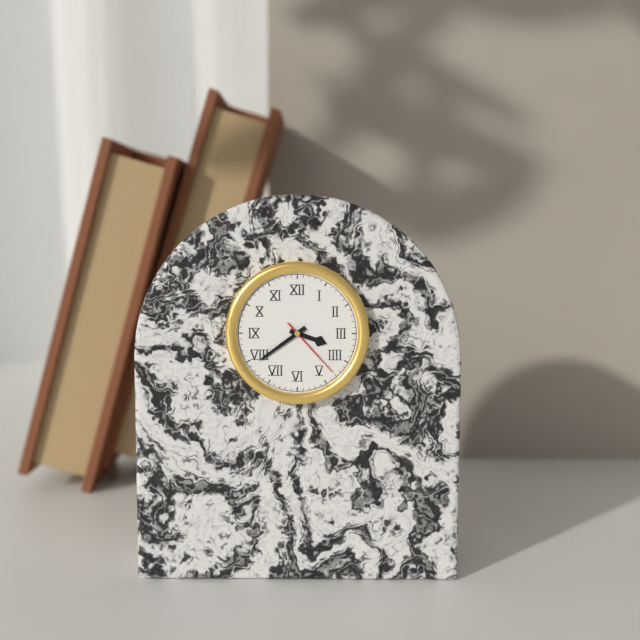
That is 3,39,23
